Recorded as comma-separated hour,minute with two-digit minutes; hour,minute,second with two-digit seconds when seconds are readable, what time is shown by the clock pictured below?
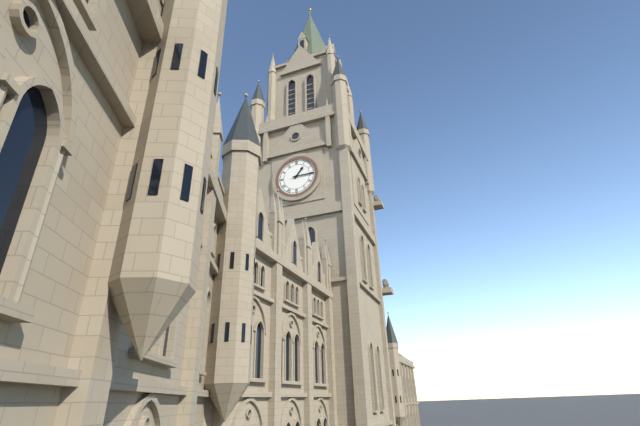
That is 1,15
